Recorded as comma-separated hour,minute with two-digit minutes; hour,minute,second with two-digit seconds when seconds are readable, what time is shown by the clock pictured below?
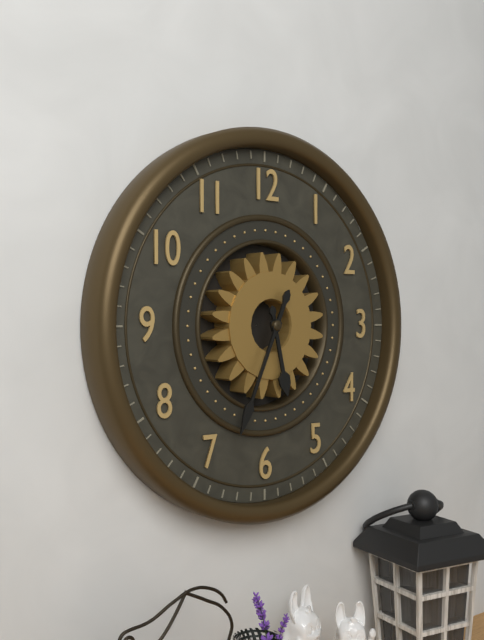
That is 5,34
